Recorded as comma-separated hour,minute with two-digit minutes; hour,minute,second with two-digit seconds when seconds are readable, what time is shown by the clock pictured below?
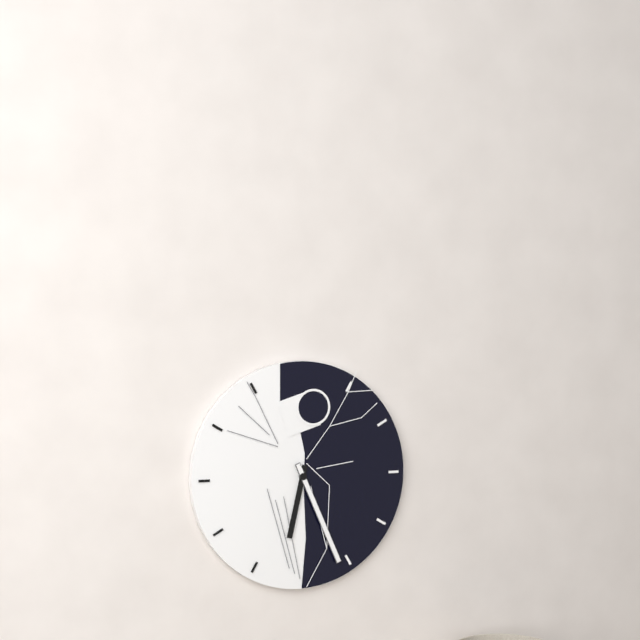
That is 6,26
